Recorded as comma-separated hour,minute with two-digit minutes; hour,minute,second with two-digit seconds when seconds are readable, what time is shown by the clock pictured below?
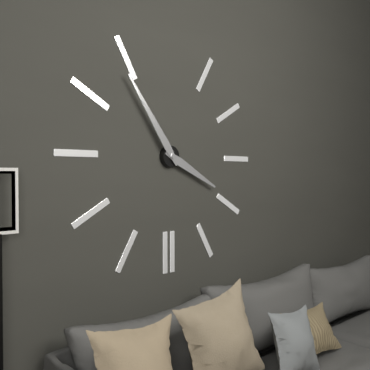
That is 3,54
